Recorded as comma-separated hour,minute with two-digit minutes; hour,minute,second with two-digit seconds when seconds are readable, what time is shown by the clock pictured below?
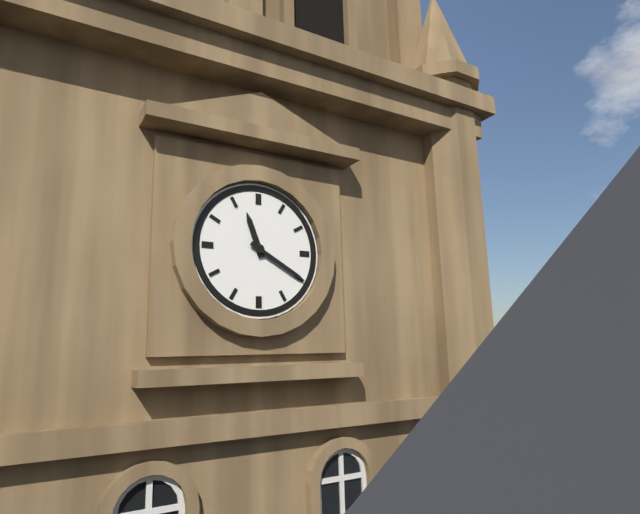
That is 11,20
